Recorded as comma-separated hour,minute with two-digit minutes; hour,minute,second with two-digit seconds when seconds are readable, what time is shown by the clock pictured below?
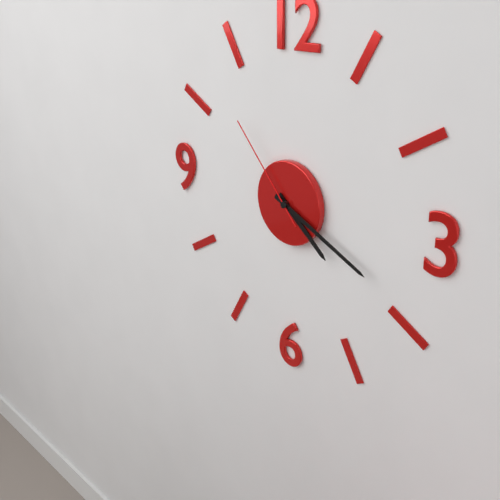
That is 4,19,53
